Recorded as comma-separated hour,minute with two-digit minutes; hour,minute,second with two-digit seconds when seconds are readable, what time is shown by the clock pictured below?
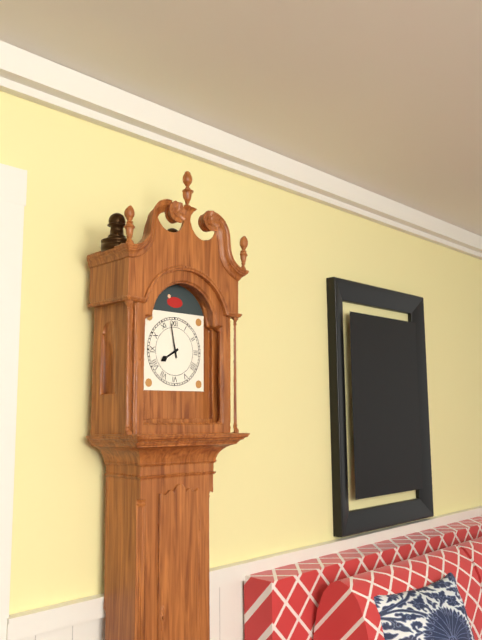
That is 7,58
